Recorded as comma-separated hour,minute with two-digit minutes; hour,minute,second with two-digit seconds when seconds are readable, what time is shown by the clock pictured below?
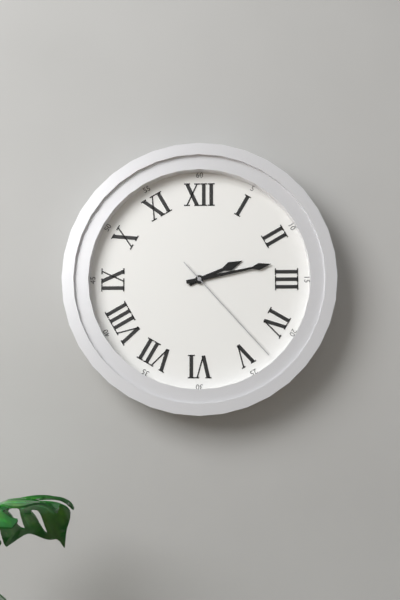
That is 2,13,23
